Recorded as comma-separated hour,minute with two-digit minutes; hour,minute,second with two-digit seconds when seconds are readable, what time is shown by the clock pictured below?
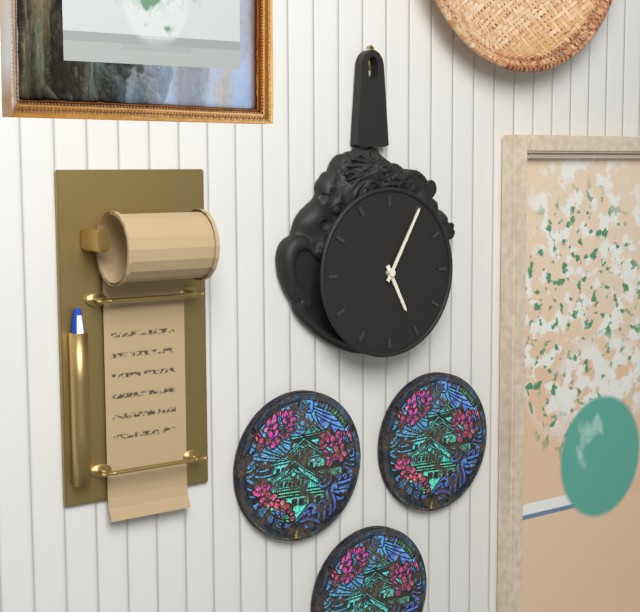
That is 5,05
